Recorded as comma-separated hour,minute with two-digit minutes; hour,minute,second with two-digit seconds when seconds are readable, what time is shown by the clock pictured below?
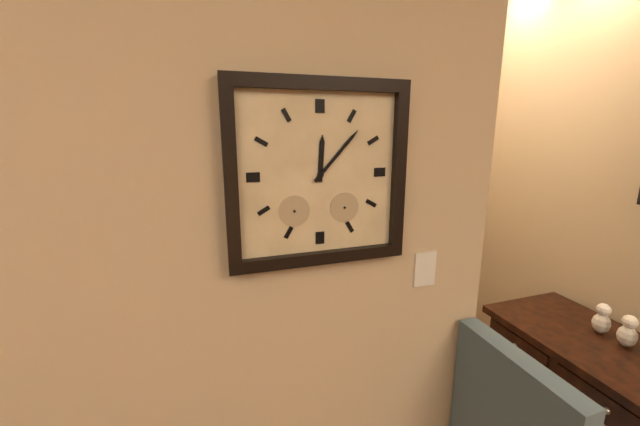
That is 12,07
